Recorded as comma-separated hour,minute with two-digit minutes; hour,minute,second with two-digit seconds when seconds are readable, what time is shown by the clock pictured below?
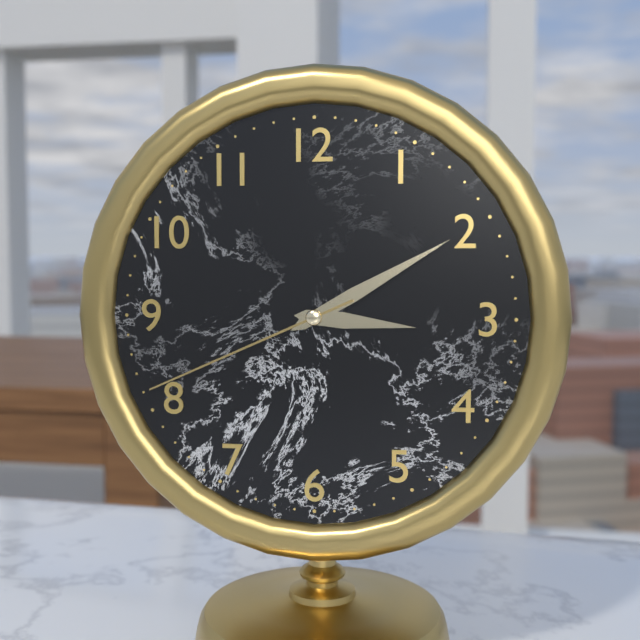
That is 3,10,41
